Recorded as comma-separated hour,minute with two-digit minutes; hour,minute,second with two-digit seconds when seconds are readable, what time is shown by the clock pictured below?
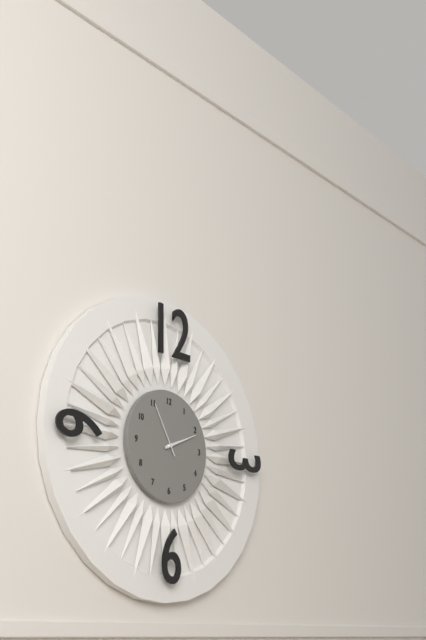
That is 2,11,55
